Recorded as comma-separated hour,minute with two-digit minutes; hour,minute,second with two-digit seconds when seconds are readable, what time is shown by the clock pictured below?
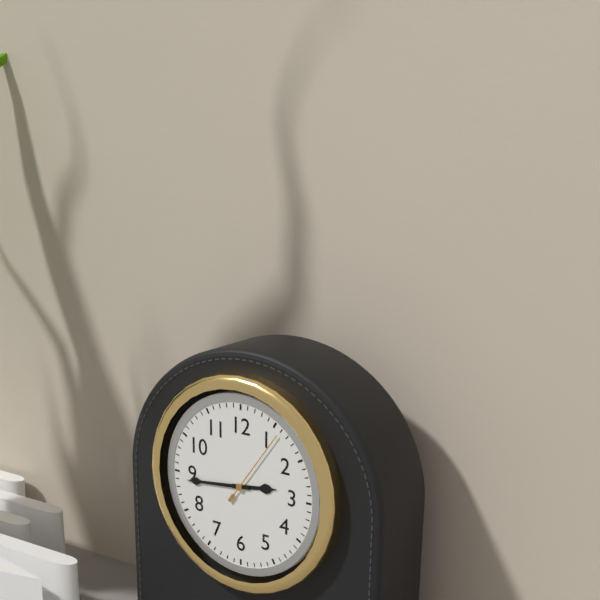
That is 2,44,06
